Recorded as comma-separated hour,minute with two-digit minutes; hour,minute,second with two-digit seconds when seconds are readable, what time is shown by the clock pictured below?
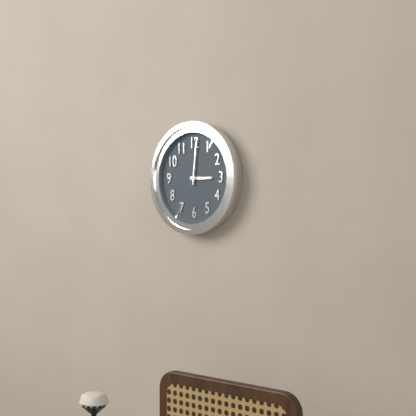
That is 3,01
